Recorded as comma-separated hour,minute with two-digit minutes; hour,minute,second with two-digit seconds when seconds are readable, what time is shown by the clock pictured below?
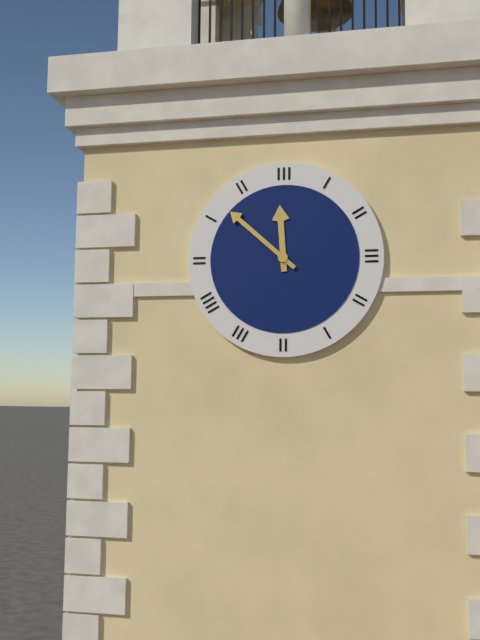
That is 11,52
